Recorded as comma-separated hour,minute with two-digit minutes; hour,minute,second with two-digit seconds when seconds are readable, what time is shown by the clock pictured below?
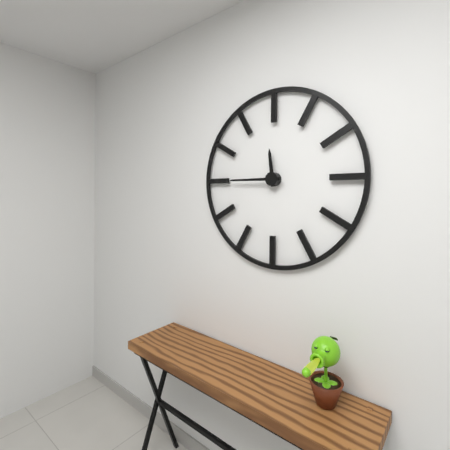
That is 11,45
